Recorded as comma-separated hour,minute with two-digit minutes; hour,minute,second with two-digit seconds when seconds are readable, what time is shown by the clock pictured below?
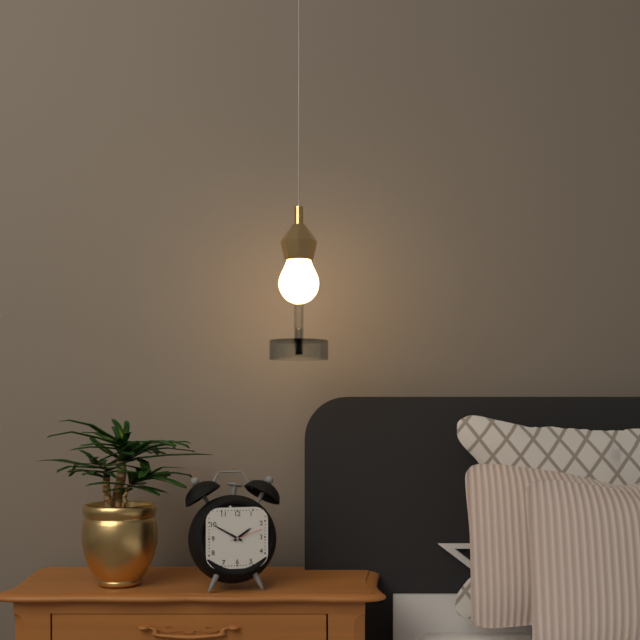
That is 1,50
